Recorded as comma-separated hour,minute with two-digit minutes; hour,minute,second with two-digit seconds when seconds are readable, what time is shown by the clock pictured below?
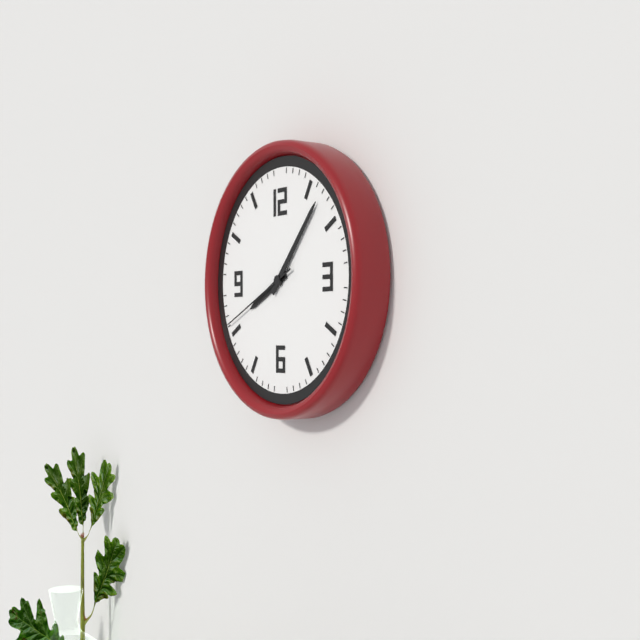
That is 8,07,41
